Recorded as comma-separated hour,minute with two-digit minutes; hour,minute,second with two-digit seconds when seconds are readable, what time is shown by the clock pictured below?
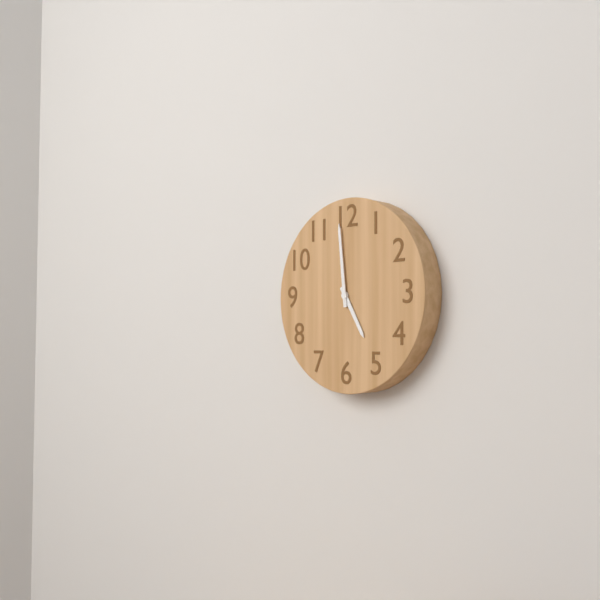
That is 4,59
